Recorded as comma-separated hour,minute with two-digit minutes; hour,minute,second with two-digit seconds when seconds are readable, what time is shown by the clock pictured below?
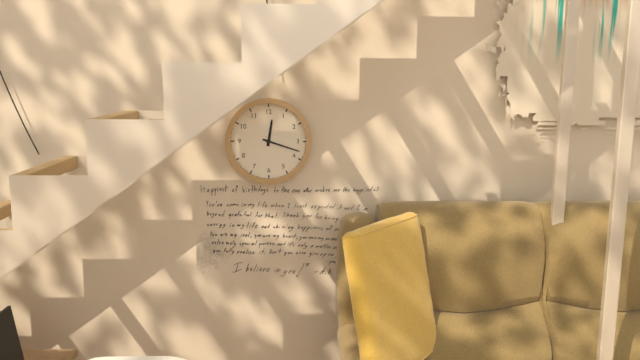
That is 12,18
